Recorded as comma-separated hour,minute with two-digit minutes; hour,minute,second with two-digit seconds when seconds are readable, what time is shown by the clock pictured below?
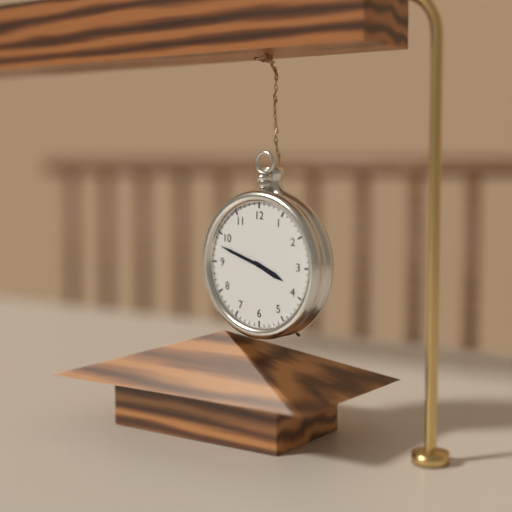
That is 3,48
